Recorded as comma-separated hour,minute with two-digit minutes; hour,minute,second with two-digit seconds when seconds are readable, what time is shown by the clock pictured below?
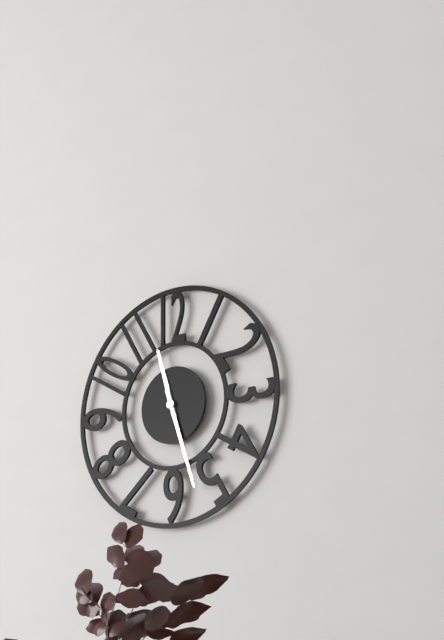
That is 11,27
